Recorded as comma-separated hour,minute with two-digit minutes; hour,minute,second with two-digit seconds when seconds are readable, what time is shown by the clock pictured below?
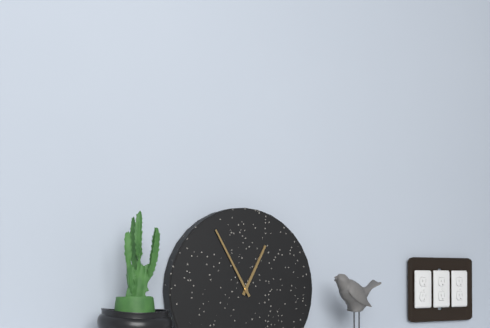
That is 12,55
